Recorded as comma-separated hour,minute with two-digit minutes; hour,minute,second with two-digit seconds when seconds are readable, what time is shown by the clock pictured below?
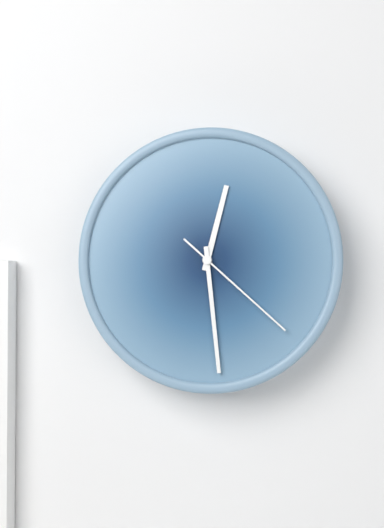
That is 12,29,22
